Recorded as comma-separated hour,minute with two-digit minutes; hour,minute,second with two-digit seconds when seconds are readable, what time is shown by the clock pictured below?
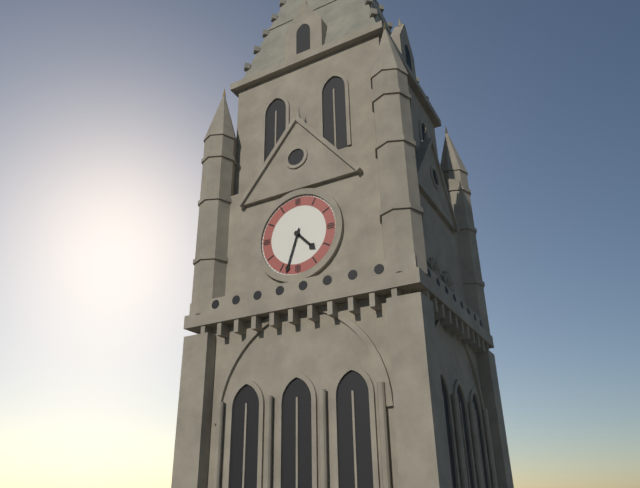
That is 4,33
